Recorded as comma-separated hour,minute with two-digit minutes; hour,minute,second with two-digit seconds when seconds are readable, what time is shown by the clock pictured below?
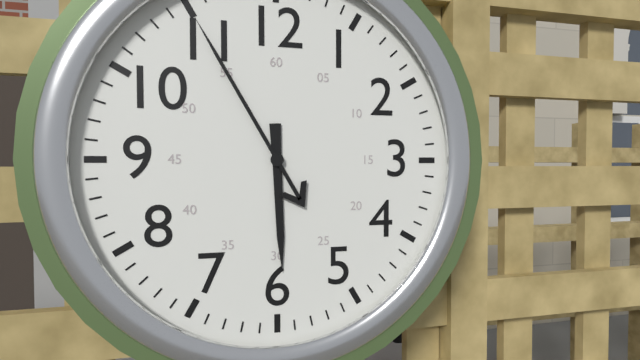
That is 5,55
